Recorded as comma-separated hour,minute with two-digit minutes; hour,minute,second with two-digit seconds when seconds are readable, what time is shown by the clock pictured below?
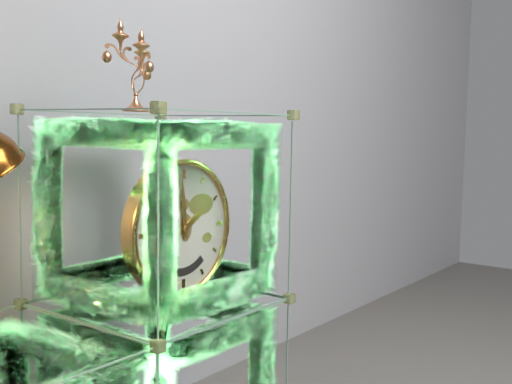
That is 1,59
